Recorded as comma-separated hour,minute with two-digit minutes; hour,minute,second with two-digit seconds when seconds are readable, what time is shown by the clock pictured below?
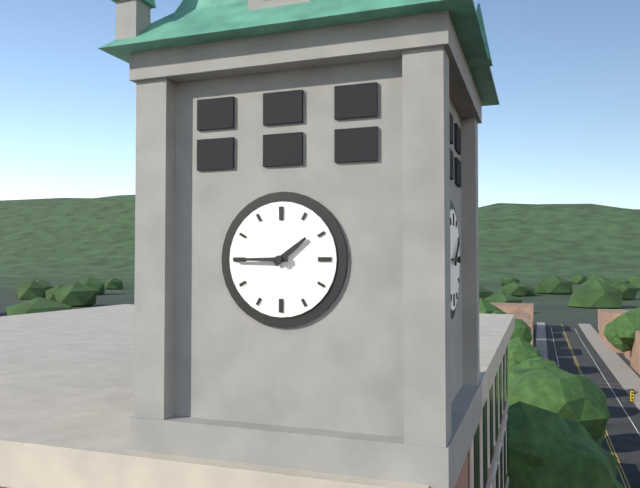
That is 1,45
